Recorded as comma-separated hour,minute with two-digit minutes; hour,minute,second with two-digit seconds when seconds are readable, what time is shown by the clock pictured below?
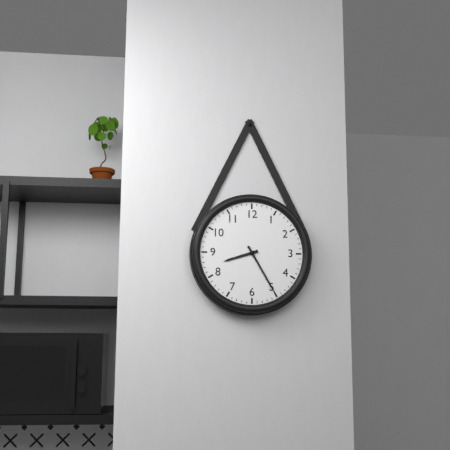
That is 8,25
